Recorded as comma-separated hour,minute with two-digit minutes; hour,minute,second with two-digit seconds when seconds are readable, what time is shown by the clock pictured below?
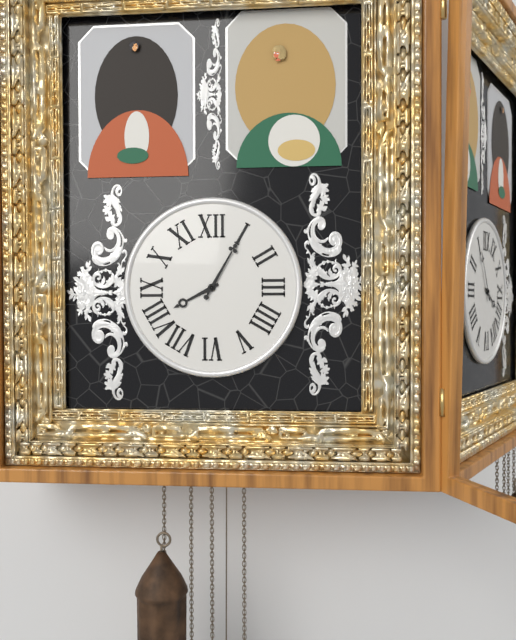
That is 8,05
